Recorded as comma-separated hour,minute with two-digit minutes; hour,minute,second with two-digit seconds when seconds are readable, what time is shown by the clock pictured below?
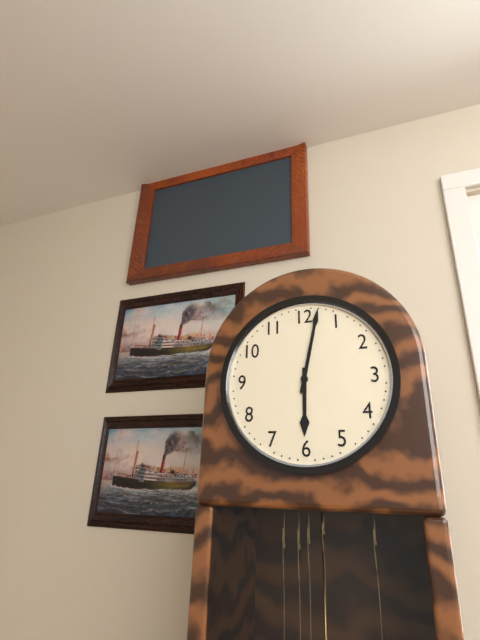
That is 6,02
